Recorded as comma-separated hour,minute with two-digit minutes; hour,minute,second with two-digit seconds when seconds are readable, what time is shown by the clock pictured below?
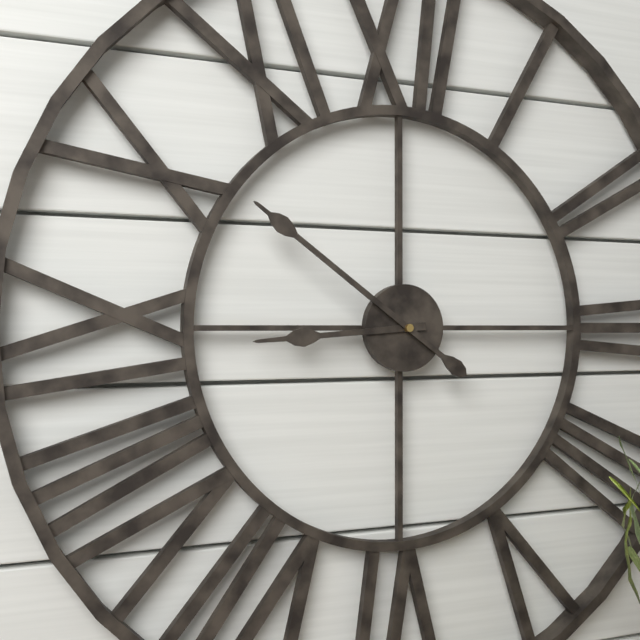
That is 8,51
